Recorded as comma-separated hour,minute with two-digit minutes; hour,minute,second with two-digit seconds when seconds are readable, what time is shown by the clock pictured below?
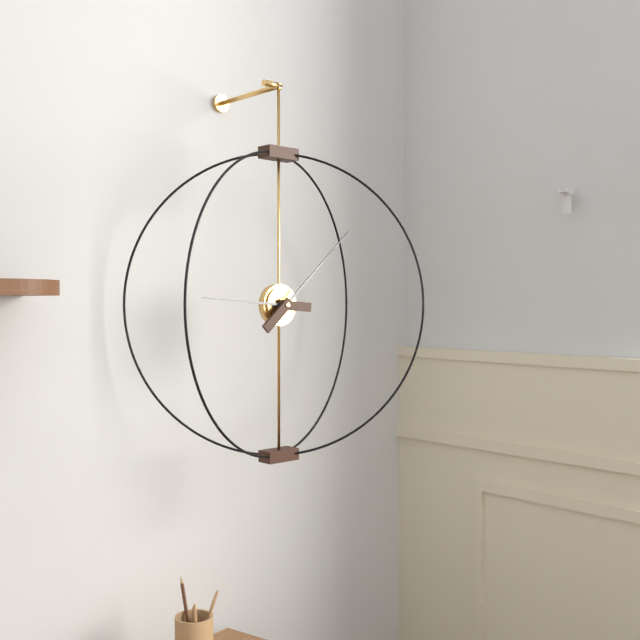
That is 9,08
